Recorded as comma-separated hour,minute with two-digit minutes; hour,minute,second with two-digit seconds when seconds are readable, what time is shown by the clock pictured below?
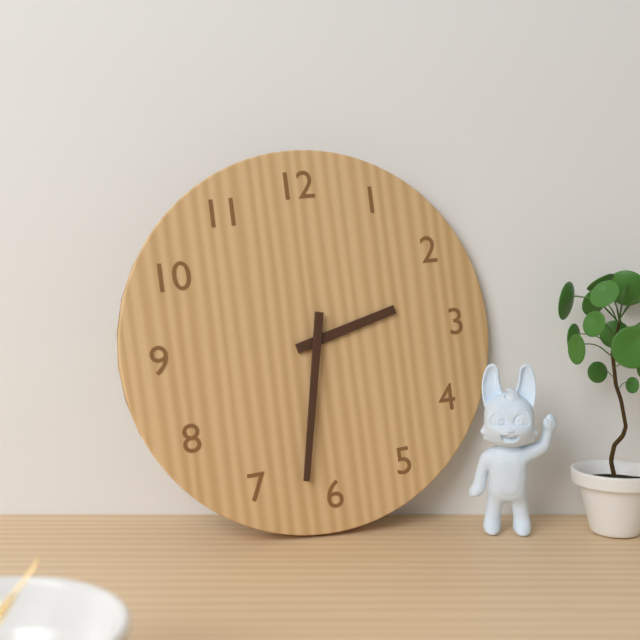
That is 2,32
